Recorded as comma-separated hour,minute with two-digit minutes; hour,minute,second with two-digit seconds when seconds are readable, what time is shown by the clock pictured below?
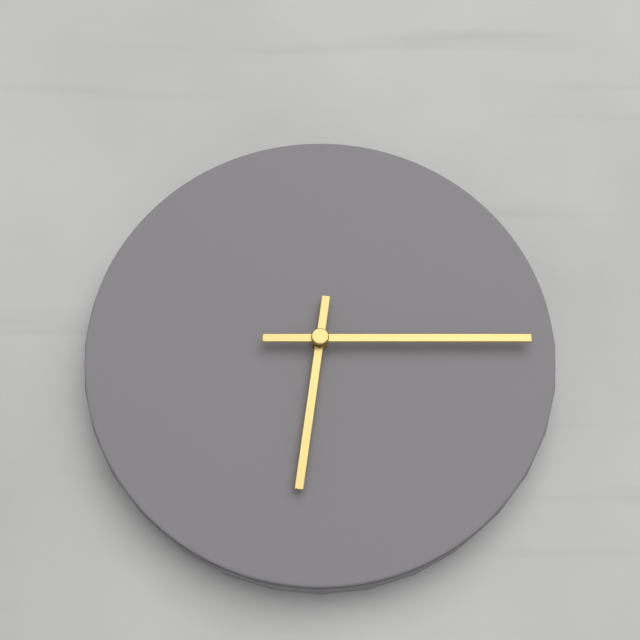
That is 6,15
